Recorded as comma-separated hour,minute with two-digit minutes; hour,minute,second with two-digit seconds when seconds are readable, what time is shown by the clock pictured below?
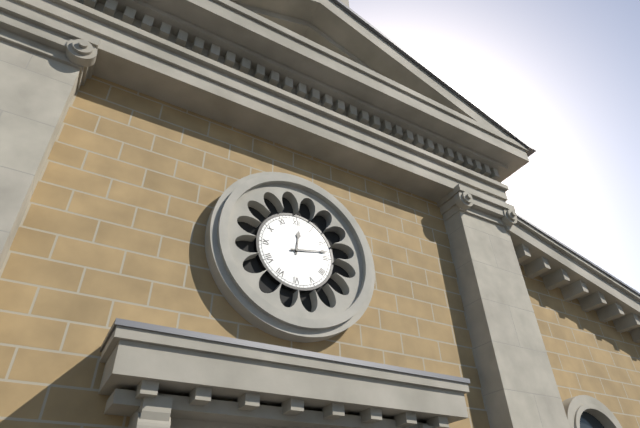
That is 12,13
